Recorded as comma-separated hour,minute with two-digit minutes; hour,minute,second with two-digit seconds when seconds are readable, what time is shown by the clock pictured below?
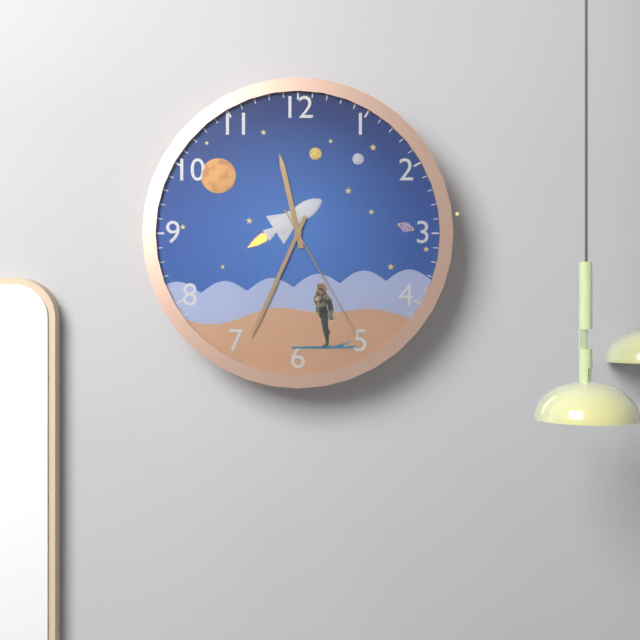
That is 11,34,25
